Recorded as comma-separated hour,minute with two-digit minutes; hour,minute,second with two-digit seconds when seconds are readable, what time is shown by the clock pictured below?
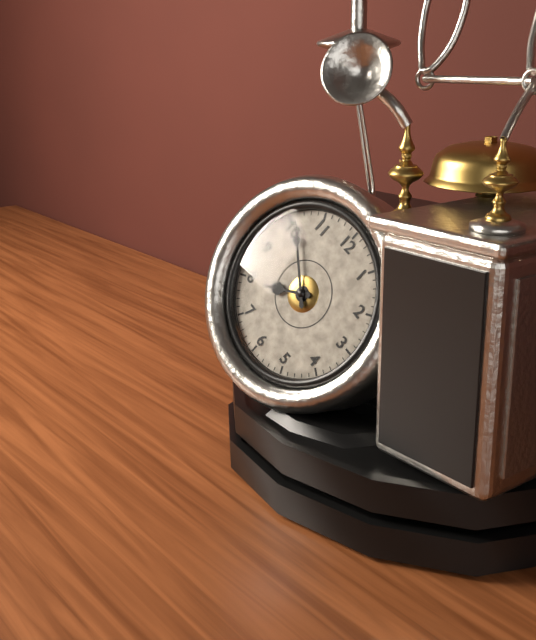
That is 7,51
